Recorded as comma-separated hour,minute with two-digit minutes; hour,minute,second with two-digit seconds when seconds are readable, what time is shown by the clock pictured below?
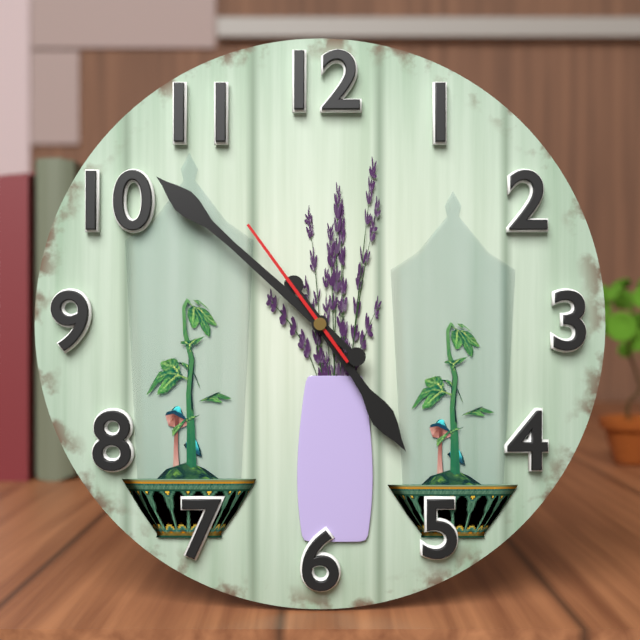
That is 4,52,54
